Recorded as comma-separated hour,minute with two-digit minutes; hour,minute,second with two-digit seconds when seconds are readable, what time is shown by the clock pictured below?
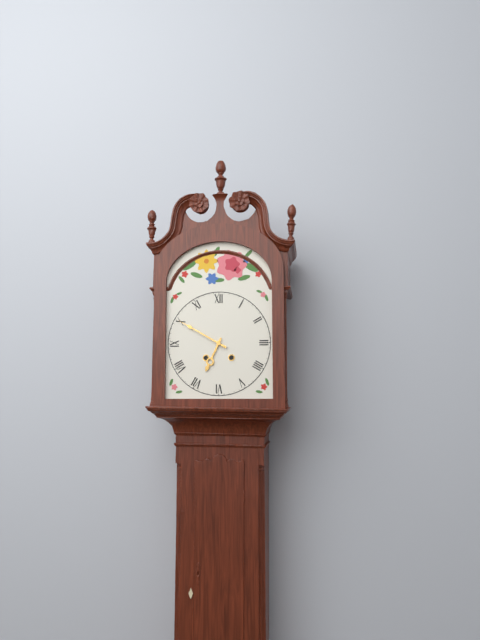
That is 6,50
